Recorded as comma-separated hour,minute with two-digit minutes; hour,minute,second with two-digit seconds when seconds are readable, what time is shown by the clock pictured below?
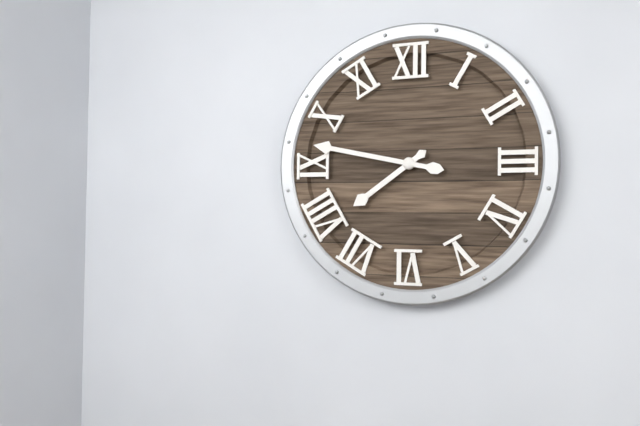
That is 7,47
